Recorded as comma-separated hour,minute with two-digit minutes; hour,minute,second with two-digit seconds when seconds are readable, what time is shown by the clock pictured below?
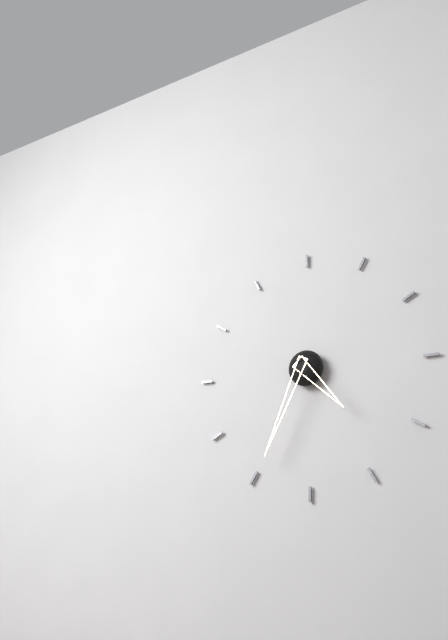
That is 4,34
